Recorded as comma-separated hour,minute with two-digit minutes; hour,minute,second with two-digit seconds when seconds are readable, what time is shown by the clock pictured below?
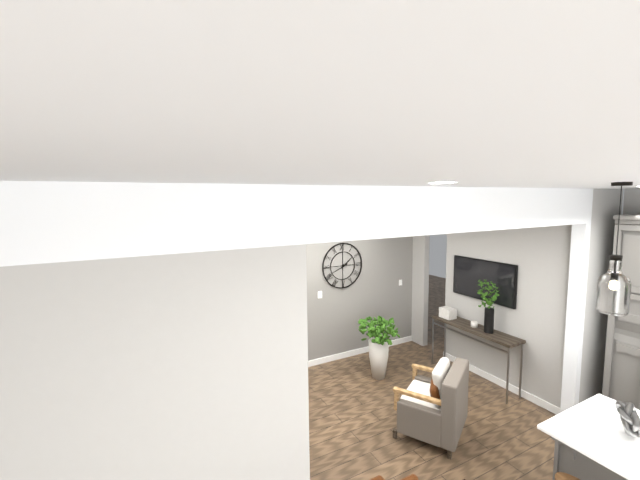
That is 1,41
